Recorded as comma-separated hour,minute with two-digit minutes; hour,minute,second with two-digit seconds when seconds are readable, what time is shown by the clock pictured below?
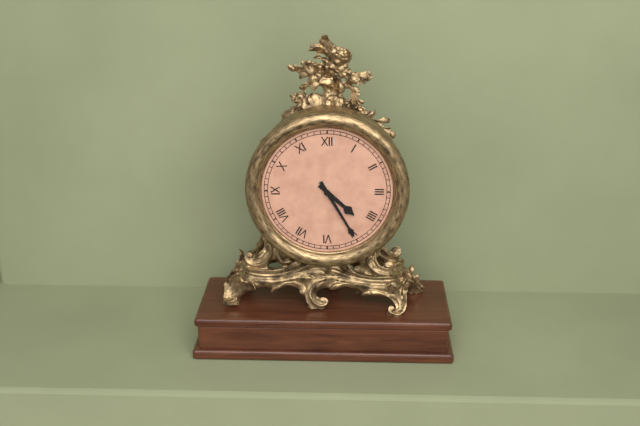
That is 4,25
